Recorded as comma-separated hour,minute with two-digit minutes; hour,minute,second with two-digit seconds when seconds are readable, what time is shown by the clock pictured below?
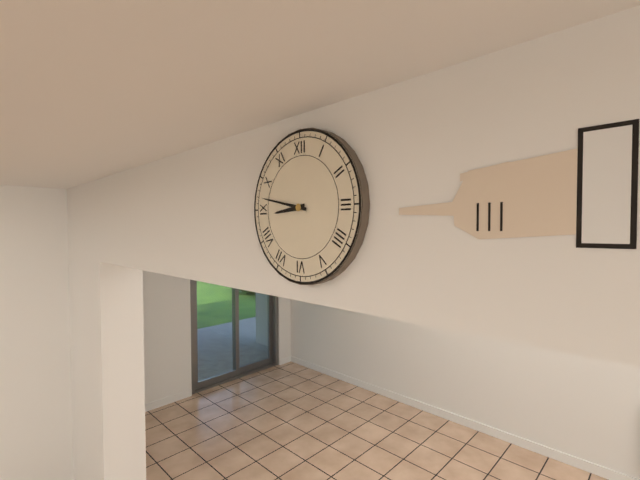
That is 8,47
